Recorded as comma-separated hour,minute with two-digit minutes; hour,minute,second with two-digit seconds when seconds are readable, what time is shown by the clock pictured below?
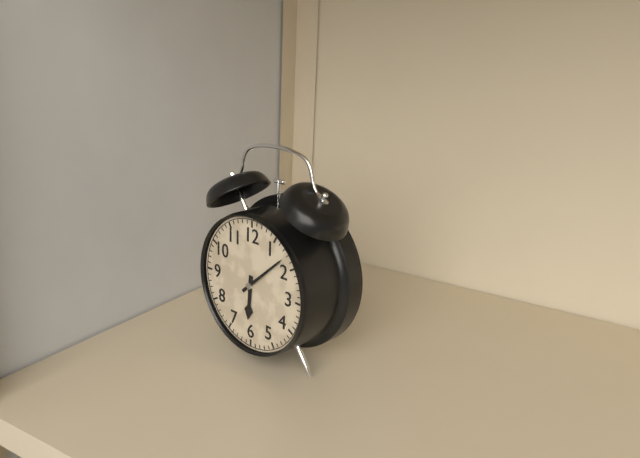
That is 6,08
